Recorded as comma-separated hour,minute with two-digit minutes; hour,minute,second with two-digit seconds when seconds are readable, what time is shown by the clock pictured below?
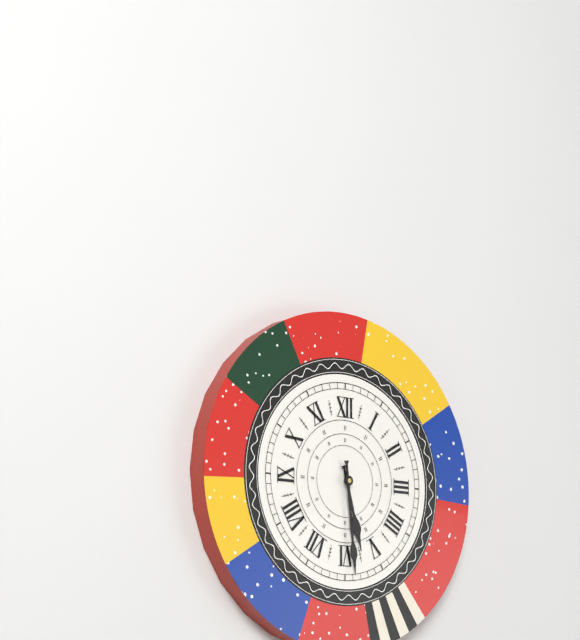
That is 5,29
